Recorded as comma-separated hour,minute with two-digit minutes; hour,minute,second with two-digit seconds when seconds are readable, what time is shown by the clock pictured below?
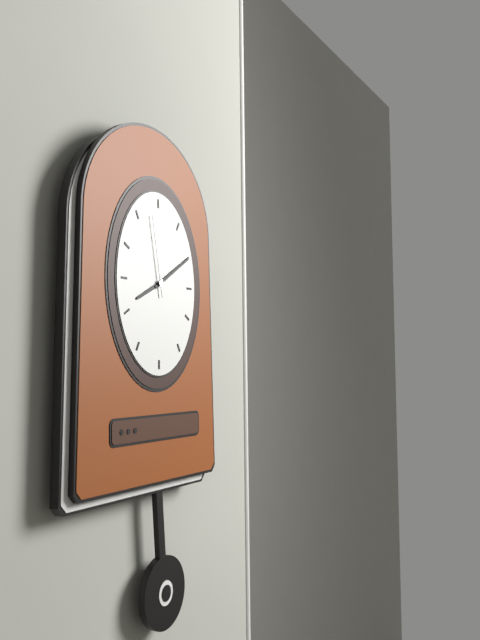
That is 8,10,58
